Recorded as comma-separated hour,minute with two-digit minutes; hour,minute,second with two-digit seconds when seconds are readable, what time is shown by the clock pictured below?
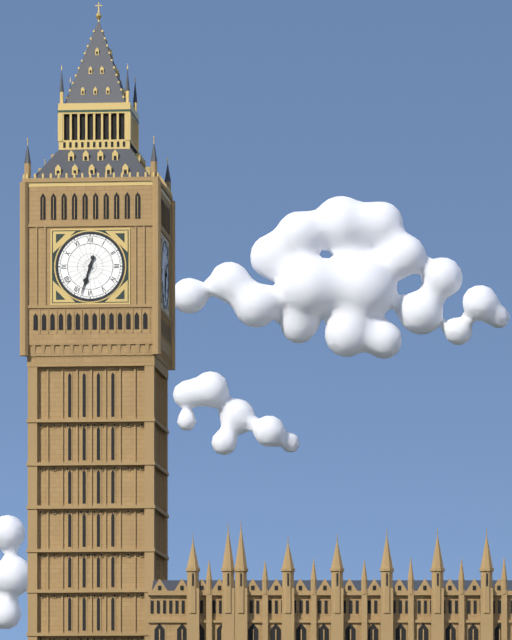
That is 6,33
